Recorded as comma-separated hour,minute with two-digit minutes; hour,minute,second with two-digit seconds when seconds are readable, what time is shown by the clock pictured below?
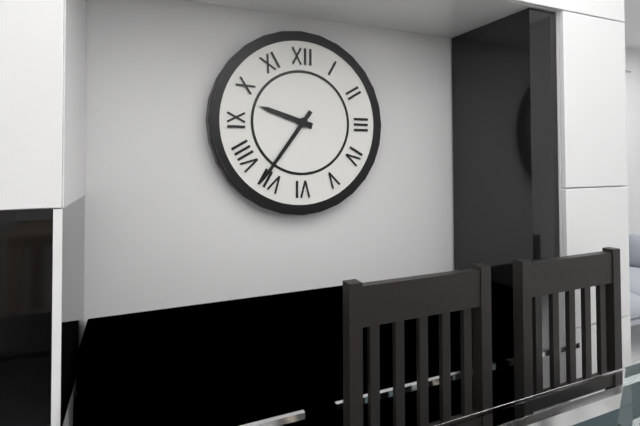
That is 9,36
